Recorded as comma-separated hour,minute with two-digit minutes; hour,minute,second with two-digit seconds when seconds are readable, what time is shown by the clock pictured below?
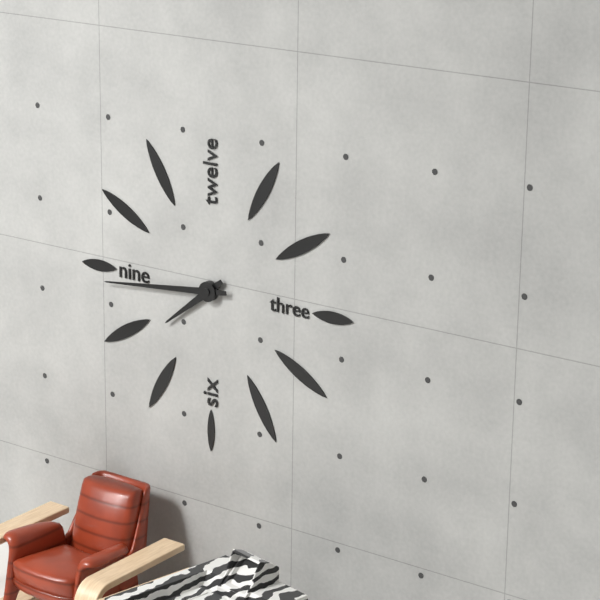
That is 7,44
